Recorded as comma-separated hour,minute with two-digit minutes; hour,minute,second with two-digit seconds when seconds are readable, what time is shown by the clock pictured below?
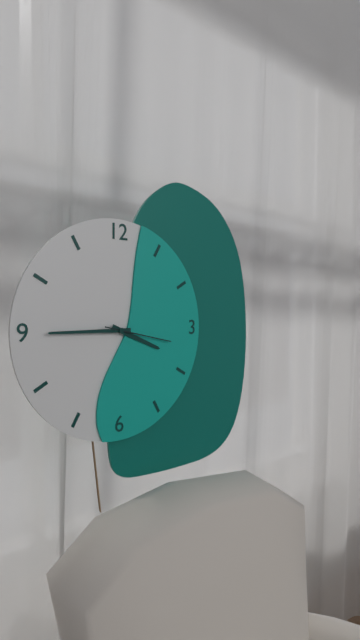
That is 3,45,17
